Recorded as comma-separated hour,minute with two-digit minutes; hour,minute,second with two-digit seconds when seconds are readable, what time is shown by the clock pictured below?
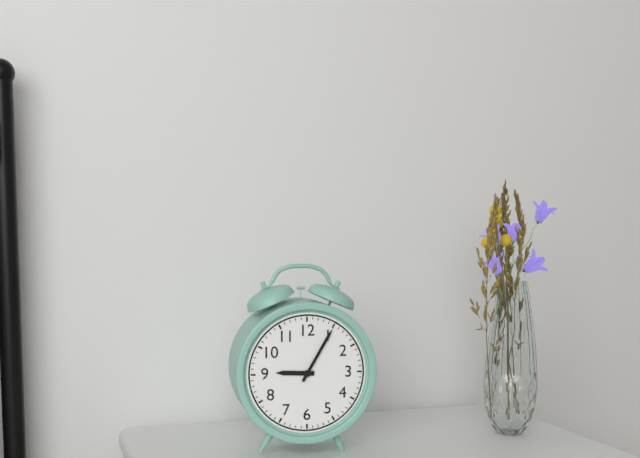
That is 9,05
